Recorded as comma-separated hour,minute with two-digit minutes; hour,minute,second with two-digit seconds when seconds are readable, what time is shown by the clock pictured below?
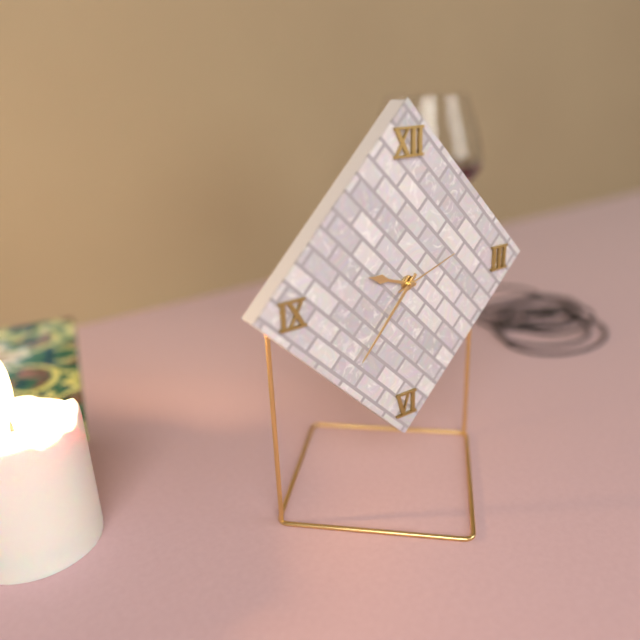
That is 9,37,12
